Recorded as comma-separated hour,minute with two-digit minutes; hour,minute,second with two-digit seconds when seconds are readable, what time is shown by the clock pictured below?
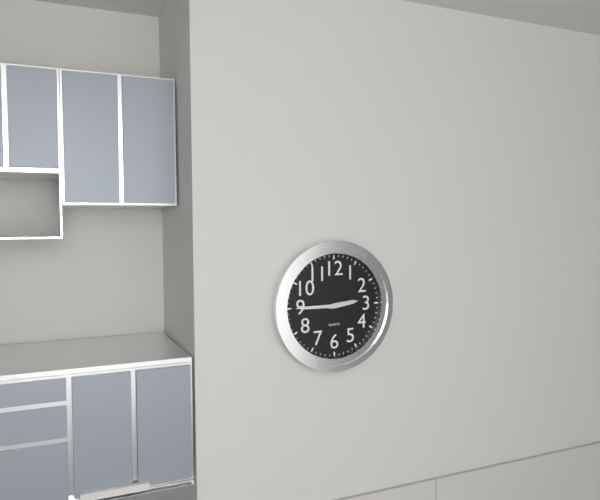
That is 2,45
